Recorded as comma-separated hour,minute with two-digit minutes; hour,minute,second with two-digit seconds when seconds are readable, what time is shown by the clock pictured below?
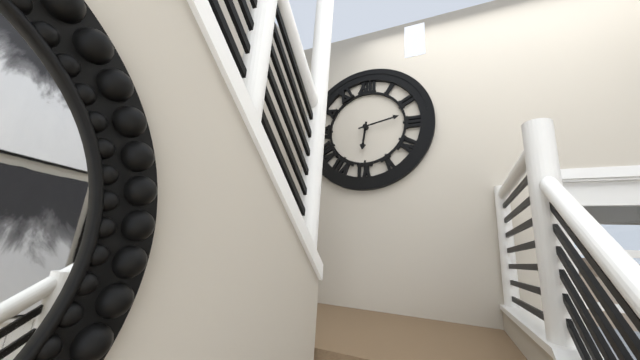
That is 6,13
